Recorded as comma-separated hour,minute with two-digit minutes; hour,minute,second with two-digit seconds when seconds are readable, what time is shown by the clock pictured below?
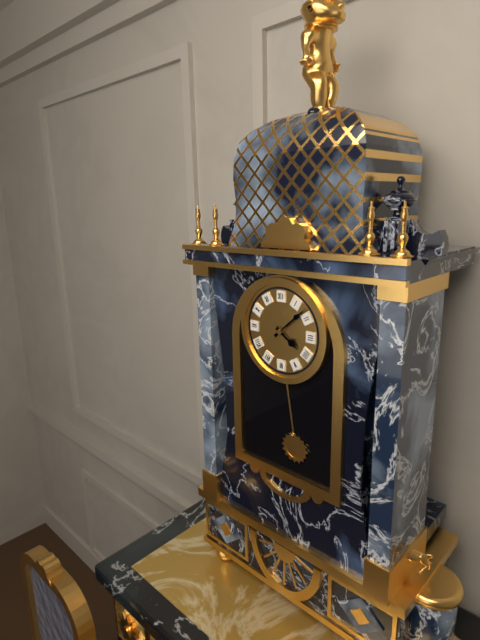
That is 4,08
